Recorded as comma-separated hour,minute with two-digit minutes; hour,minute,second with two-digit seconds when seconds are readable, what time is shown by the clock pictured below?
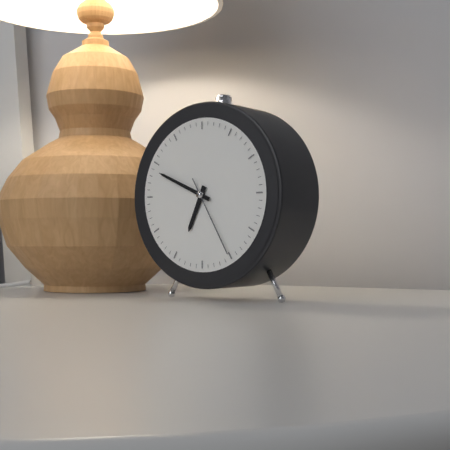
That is 6,49,25
